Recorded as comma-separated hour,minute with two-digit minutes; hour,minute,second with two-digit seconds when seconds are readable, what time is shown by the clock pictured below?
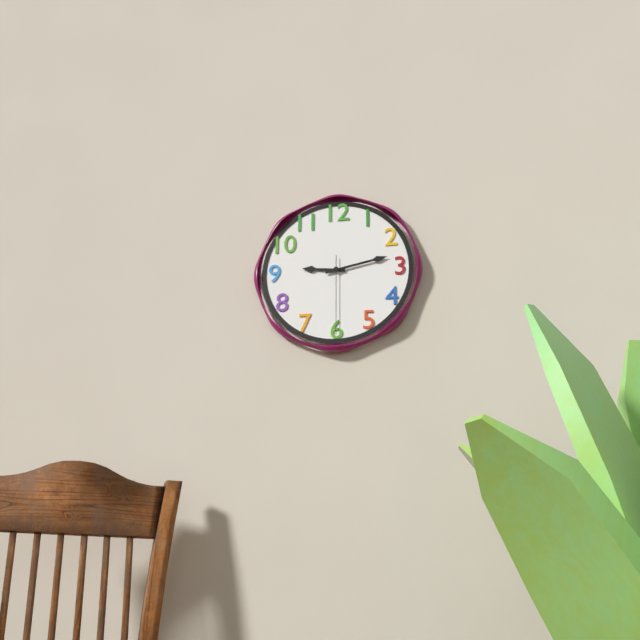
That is 9,13,30
